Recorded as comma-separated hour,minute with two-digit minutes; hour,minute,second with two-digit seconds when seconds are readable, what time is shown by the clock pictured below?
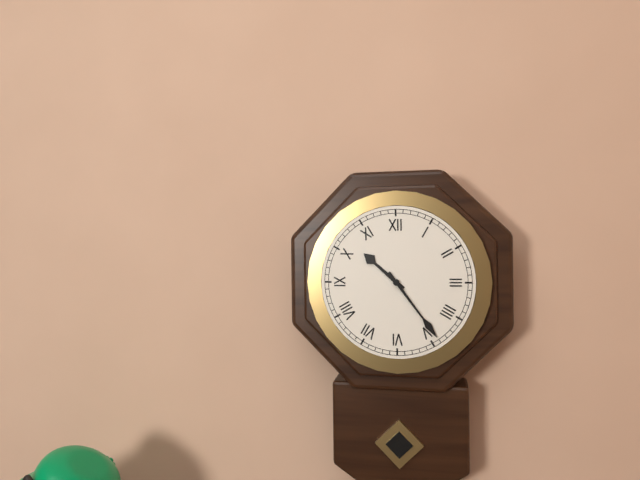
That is 10,24
